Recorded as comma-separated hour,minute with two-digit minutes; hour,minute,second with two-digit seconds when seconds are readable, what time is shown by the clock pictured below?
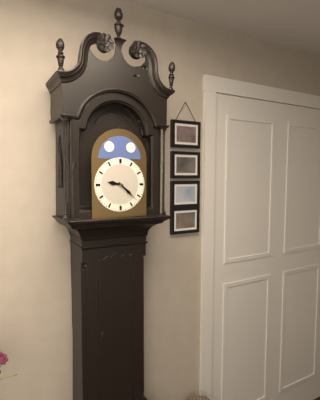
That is 9,22
